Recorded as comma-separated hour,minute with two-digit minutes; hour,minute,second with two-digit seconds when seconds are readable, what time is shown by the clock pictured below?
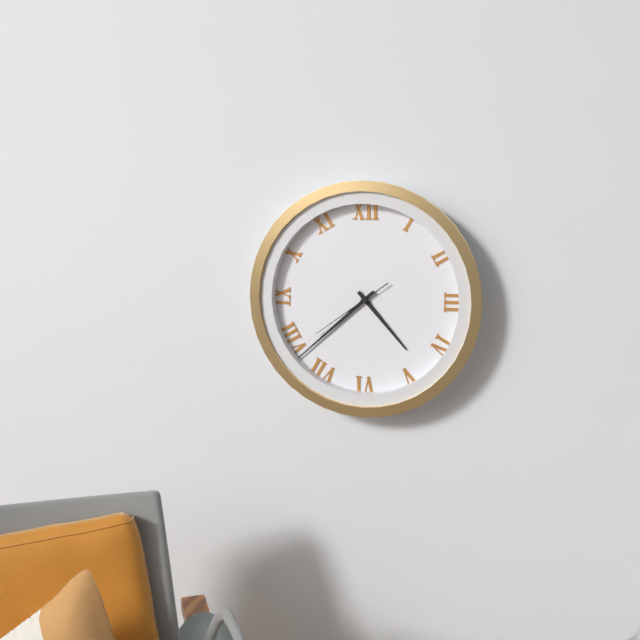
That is 4,38,39
